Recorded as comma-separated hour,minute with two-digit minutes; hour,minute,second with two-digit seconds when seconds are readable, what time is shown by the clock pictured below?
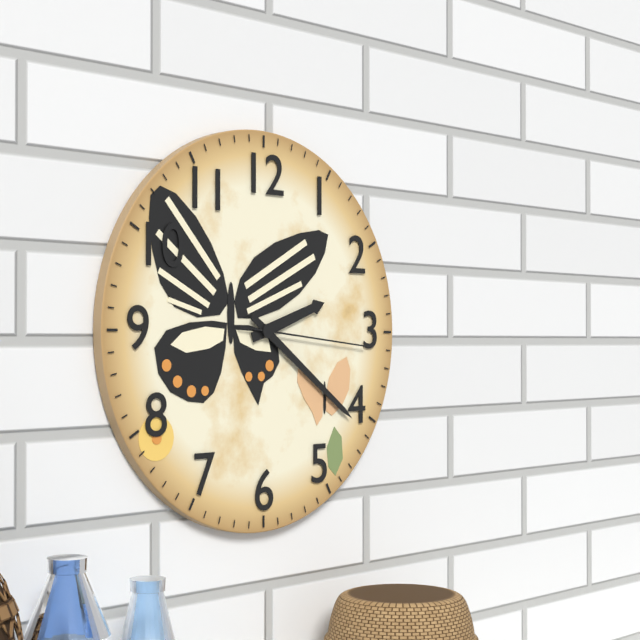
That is 2,21,16
